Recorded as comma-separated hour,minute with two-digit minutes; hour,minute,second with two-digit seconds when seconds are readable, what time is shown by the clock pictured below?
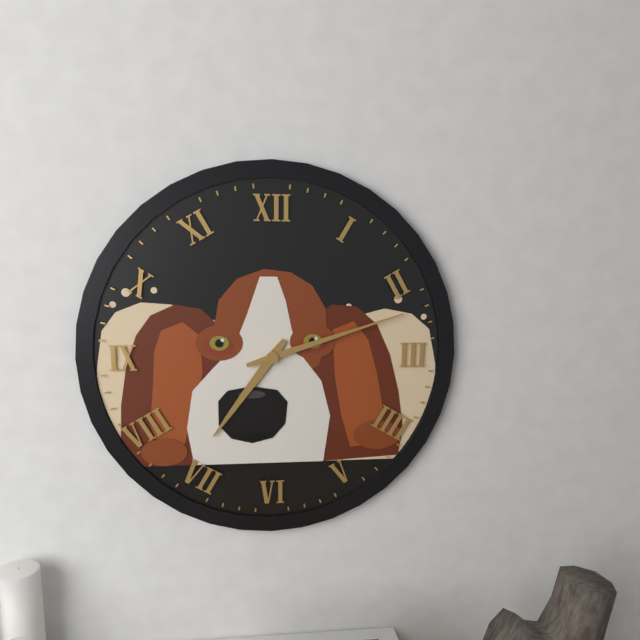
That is 7,12
